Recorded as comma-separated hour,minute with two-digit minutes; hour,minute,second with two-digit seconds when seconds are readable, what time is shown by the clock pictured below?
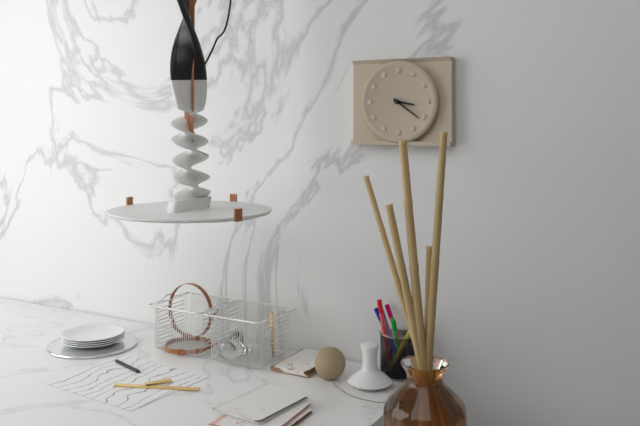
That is 3,21
